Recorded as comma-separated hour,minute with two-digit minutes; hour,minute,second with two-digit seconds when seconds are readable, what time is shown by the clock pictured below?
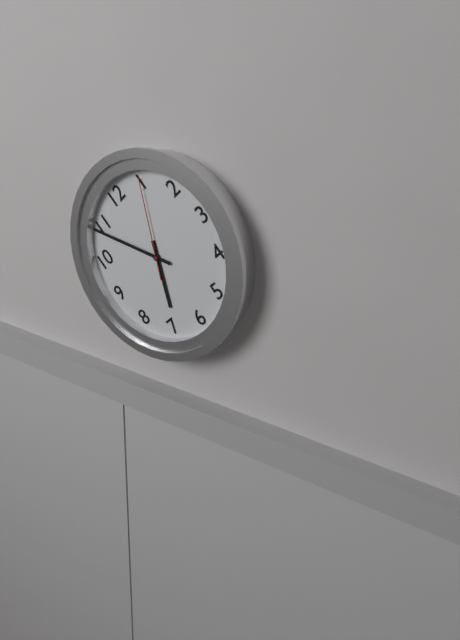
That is 6,54,05
